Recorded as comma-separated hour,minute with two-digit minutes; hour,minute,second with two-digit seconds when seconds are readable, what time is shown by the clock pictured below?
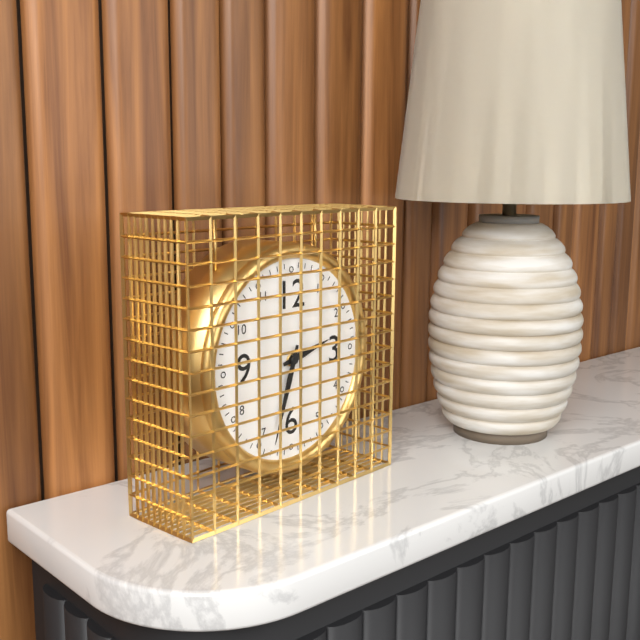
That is 2,33
